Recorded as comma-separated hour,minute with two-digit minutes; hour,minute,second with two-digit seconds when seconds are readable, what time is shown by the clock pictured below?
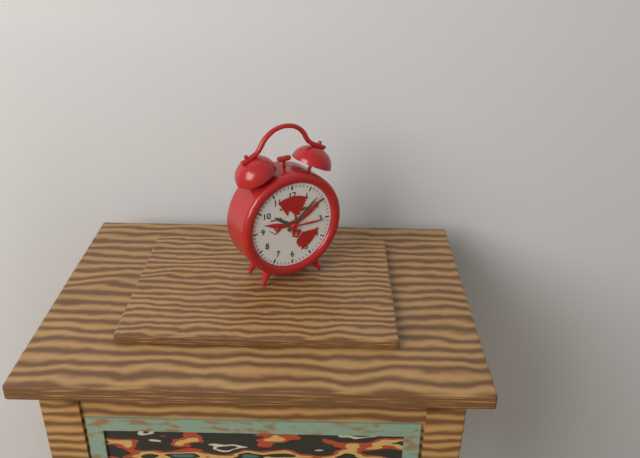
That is 10,08
